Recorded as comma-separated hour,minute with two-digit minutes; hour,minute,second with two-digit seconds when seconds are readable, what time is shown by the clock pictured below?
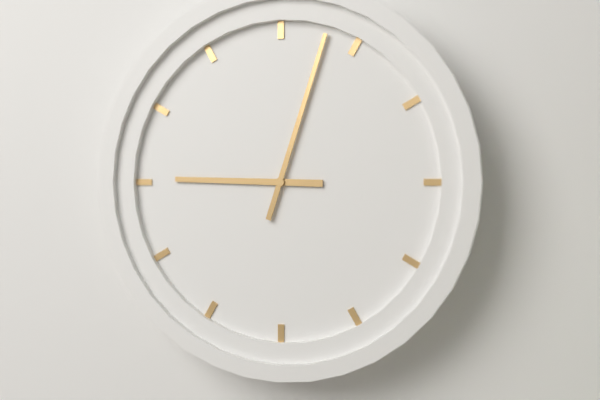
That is 9,03
